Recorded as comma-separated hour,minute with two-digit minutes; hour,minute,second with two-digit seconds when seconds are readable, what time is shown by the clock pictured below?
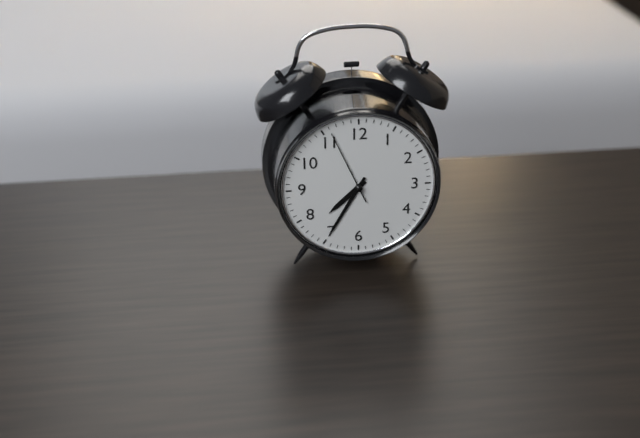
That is 7,35,56
